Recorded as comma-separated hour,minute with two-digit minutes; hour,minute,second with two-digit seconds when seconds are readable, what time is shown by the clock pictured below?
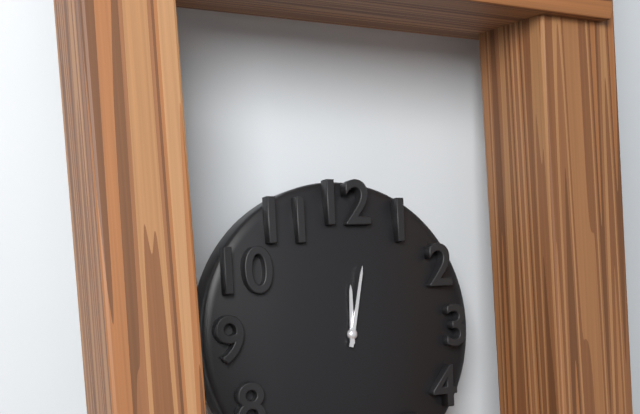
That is 12,02
